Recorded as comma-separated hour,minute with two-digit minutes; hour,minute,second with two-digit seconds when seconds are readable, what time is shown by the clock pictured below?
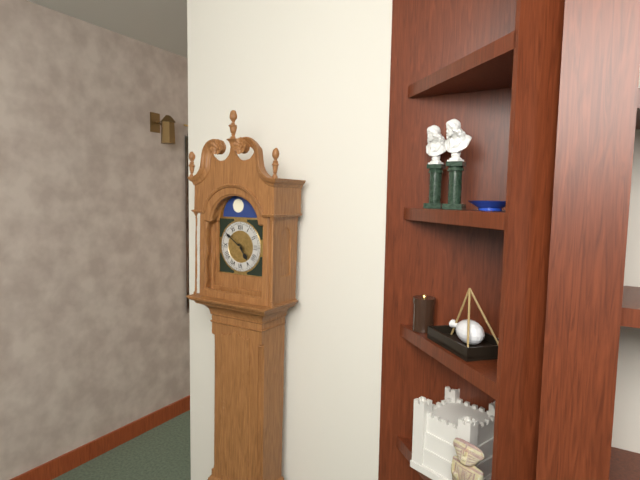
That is 4,51
